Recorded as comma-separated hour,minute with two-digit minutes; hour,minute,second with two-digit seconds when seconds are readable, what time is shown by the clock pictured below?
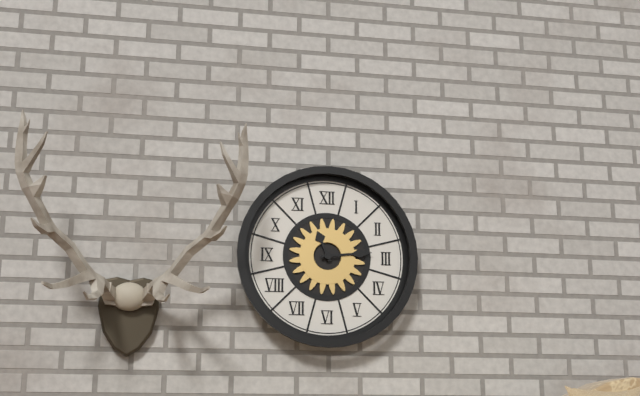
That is 11,14
